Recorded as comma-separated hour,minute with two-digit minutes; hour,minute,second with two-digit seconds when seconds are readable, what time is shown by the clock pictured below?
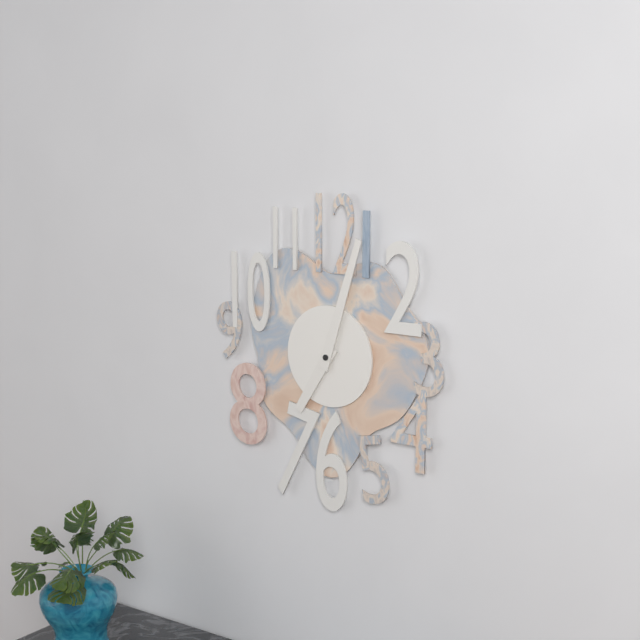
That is 7,03
